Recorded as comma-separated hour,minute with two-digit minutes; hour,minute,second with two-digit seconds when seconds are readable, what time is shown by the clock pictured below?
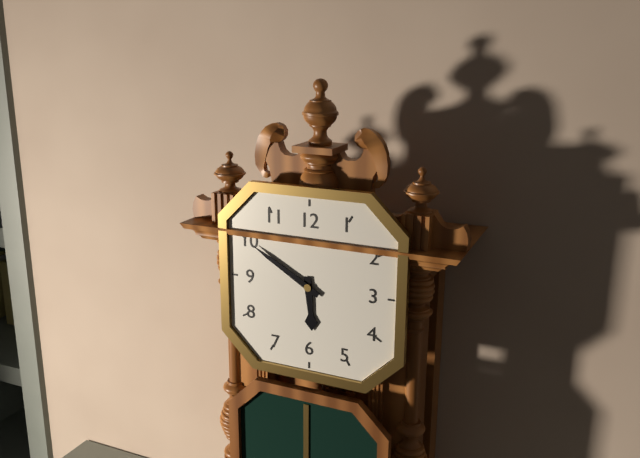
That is 5,50
